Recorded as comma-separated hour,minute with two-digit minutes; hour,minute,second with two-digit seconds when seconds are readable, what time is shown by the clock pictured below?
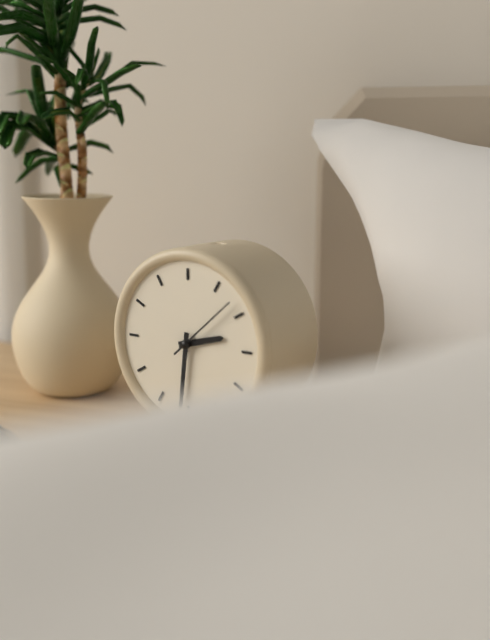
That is 2,31
